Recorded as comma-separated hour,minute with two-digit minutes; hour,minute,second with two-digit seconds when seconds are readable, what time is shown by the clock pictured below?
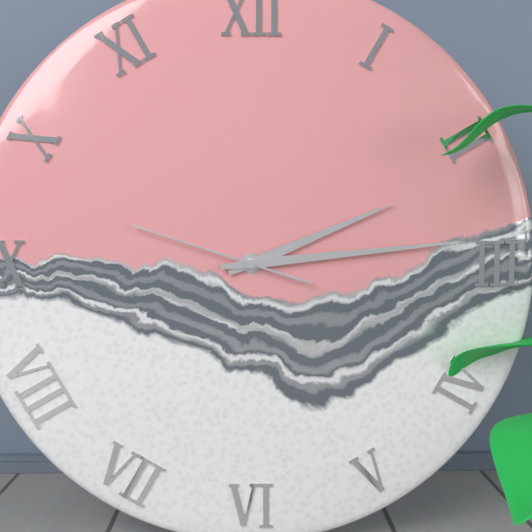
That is 2,14,48
